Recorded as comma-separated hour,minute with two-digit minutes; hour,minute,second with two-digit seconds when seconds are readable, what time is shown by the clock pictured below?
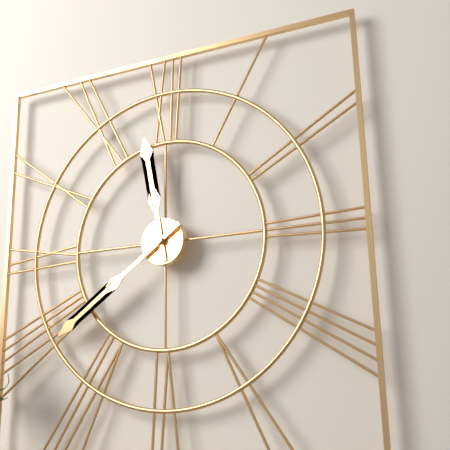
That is 11,39
